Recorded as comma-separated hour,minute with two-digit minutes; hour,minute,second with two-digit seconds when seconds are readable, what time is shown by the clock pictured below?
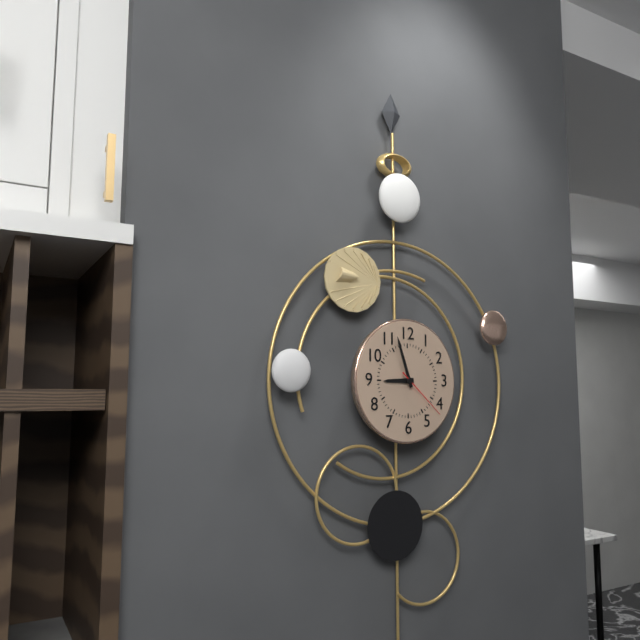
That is 8,57,22
